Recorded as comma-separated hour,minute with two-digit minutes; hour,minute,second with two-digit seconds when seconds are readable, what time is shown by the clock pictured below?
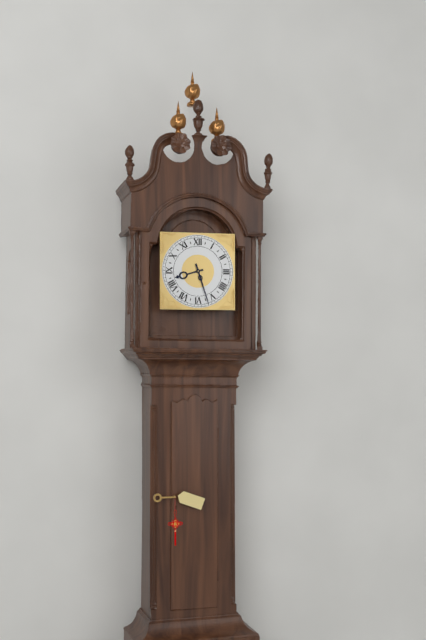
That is 8,27
